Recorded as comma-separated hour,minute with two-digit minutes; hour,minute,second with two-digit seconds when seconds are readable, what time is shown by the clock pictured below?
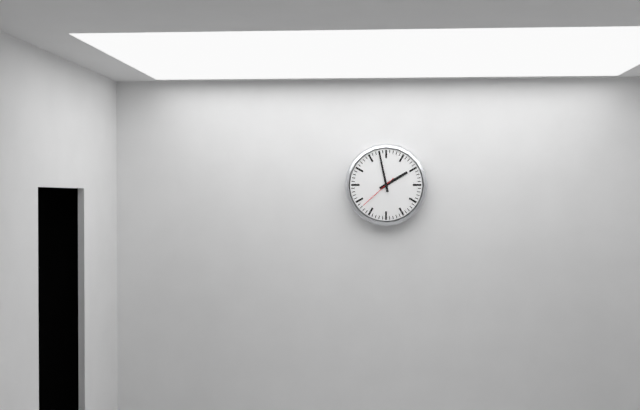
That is 1,58
